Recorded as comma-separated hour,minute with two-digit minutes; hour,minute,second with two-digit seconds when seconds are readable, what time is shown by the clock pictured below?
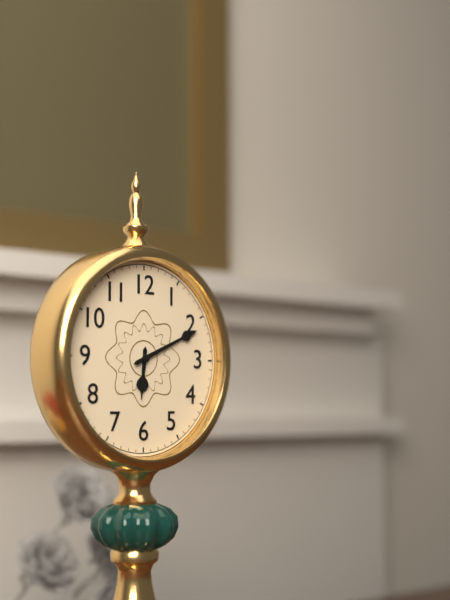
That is 6,11
